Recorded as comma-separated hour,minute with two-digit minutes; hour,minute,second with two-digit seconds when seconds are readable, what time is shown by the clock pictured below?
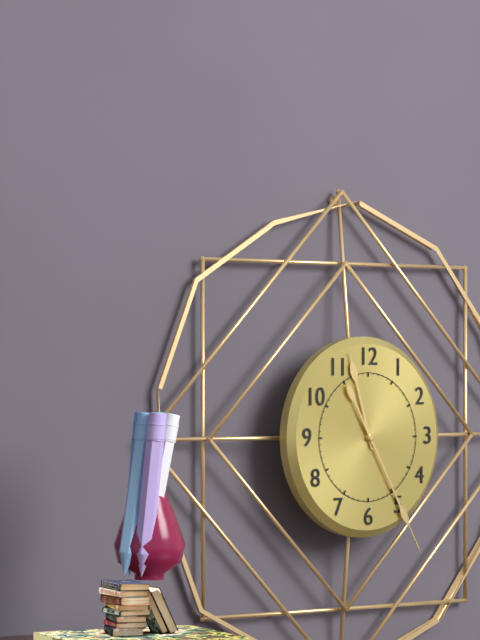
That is 11,25
